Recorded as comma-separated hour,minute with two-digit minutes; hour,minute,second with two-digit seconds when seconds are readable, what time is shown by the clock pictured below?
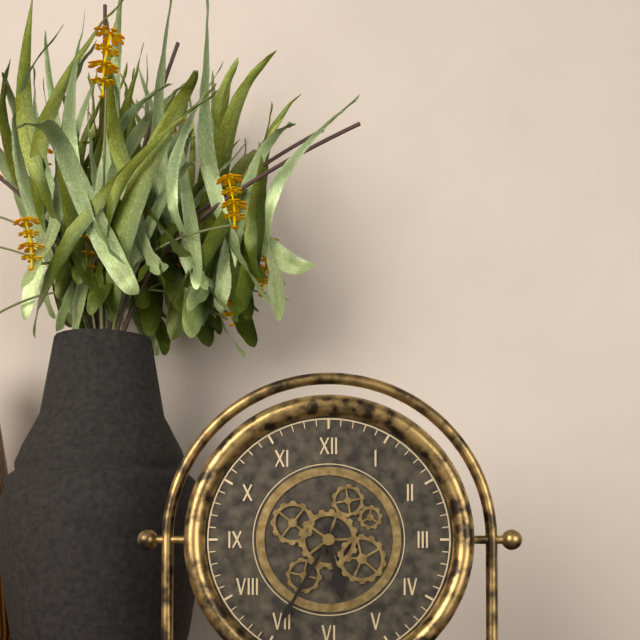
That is 5,35
